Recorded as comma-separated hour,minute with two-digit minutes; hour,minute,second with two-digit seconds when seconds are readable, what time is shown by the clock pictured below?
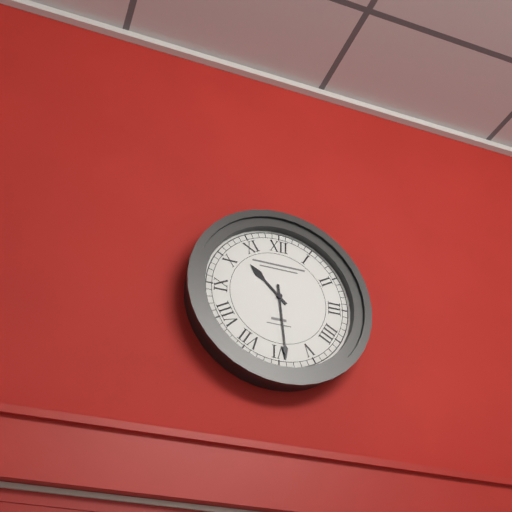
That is 10,29
